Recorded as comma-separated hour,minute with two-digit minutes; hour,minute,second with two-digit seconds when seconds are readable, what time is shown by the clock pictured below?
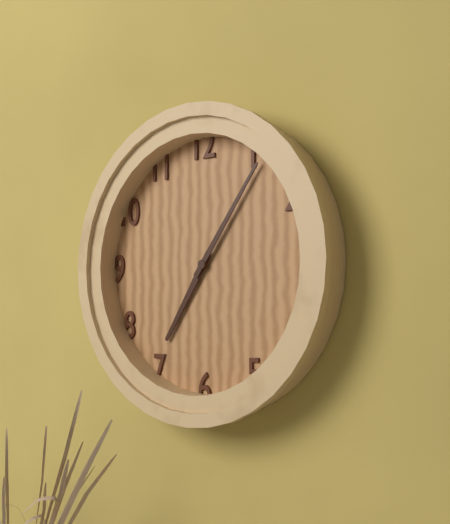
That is 7,06
